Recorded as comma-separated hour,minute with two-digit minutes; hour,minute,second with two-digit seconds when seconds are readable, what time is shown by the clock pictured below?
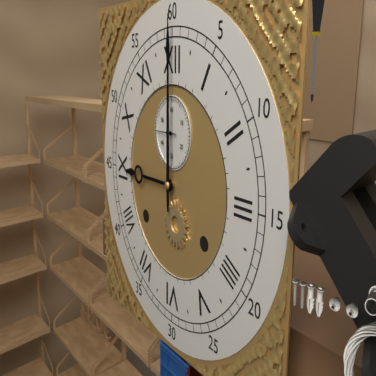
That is 9,00
